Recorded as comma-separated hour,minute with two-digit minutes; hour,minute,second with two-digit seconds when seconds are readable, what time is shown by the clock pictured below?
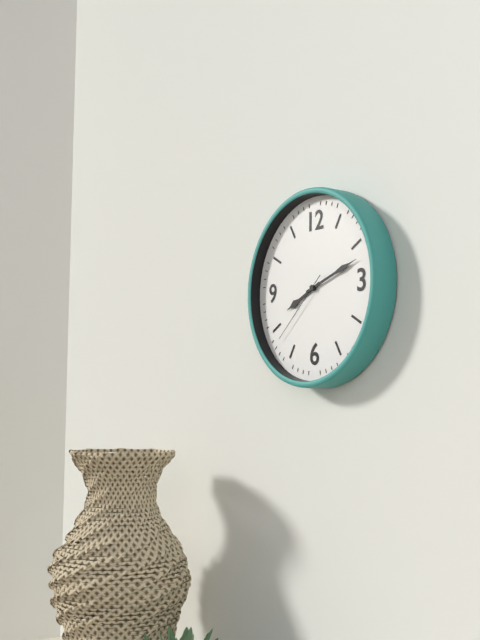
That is 8,12,38
